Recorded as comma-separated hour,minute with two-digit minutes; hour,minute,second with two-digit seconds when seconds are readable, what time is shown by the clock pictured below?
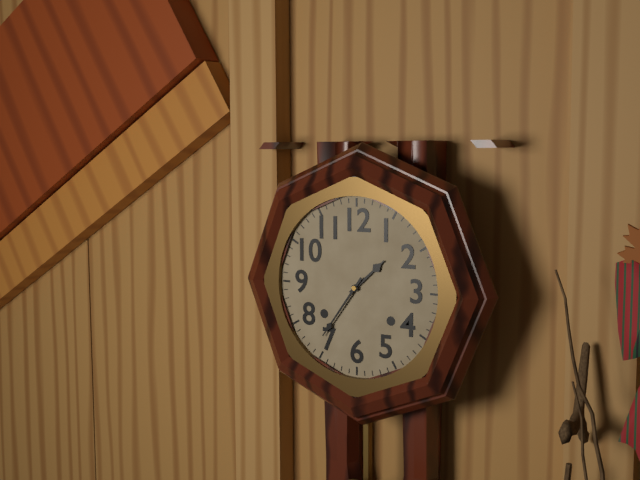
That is 1,36
